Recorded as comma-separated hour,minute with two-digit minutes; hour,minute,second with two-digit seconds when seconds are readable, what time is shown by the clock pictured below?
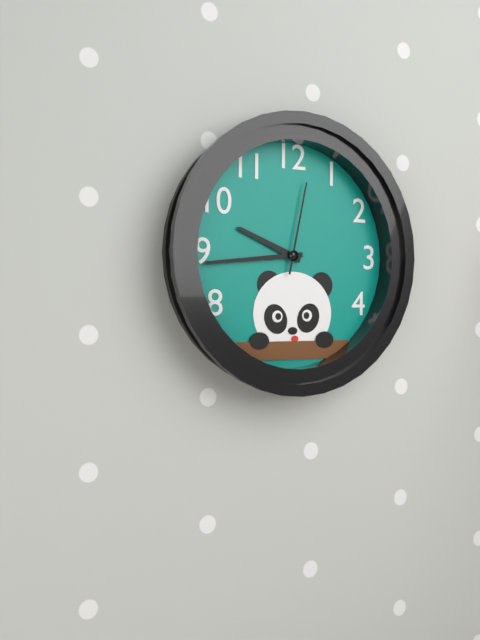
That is 9,44,02
